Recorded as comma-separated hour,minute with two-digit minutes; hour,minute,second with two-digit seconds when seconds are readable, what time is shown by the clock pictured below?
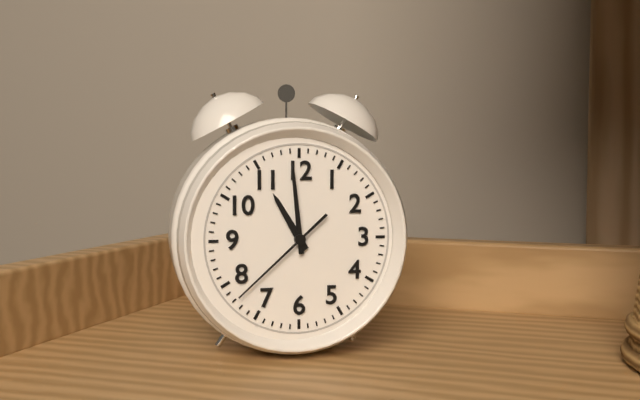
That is 10,59,38
